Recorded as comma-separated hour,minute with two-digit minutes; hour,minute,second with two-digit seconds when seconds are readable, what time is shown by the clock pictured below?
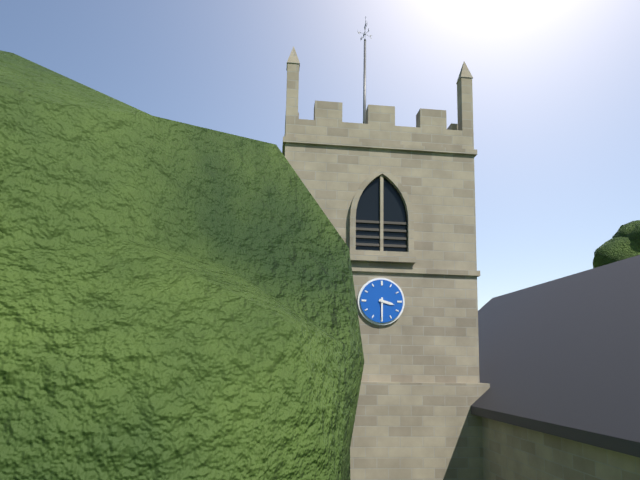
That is 3,30
